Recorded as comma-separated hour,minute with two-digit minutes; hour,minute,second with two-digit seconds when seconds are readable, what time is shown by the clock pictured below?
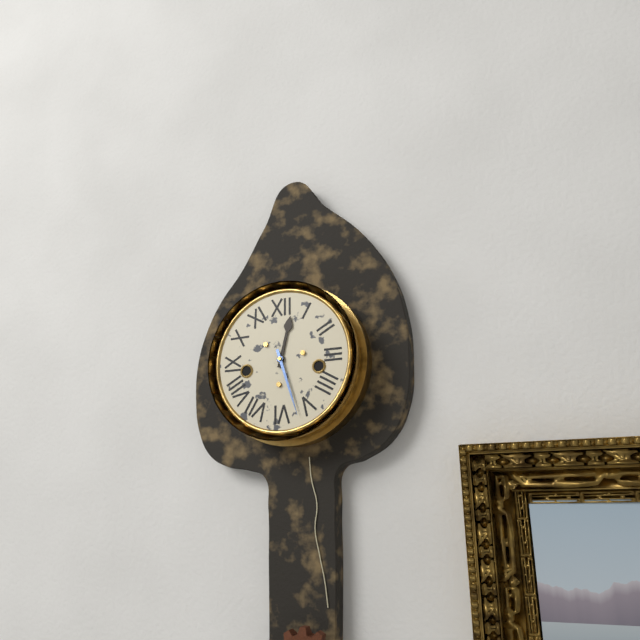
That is 12,27
